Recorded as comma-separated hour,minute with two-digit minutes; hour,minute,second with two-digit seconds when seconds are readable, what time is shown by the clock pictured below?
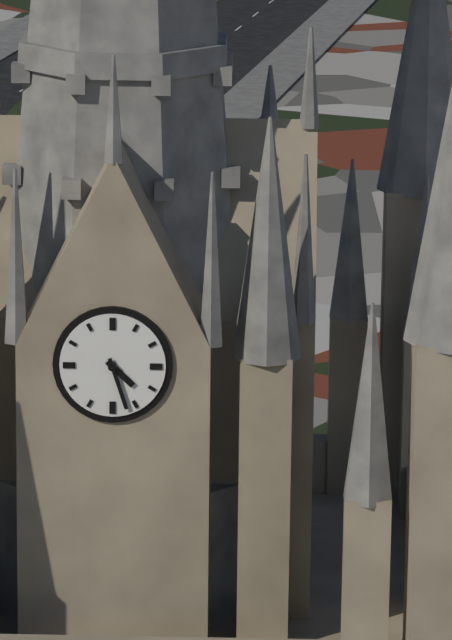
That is 4,27
